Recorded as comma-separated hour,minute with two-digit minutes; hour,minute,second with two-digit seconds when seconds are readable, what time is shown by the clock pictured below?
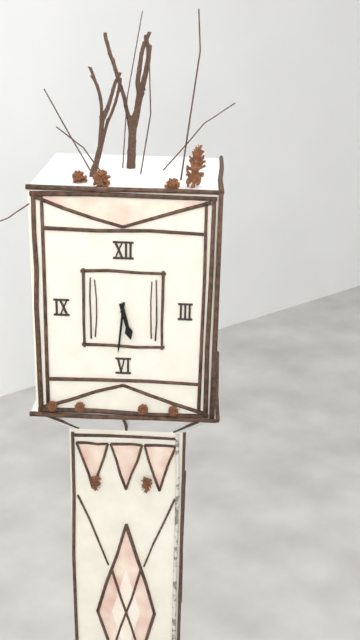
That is 5,31
